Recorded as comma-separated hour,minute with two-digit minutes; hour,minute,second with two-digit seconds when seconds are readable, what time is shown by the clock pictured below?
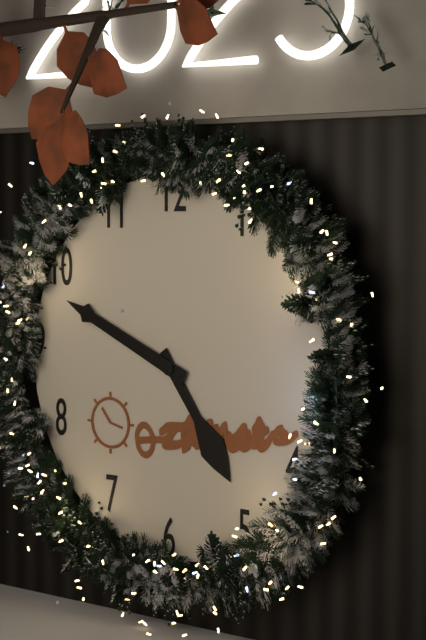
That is 4,49
